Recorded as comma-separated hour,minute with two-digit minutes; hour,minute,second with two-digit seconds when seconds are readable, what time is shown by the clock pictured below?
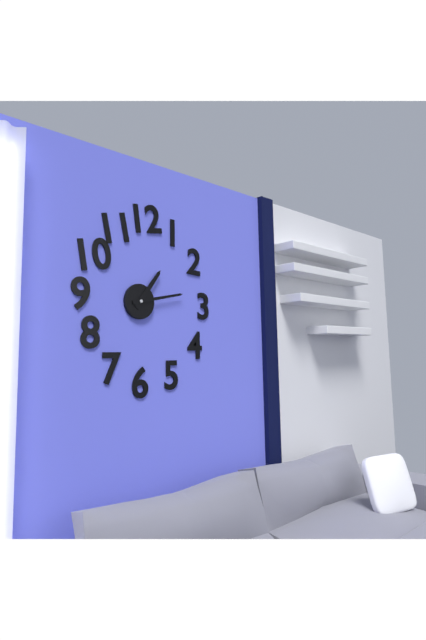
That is 1,13
